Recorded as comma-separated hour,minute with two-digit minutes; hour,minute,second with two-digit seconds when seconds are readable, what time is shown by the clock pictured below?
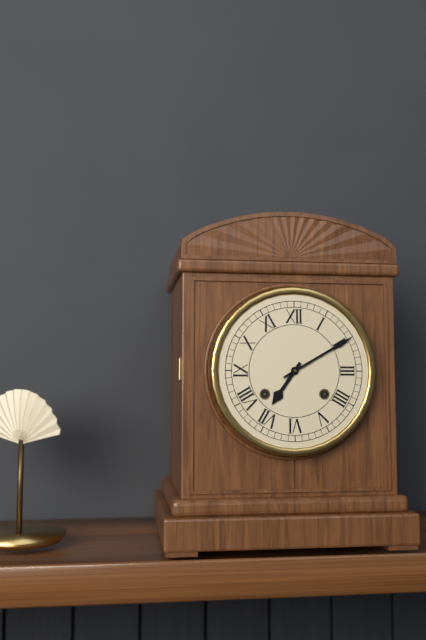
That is 7,10
